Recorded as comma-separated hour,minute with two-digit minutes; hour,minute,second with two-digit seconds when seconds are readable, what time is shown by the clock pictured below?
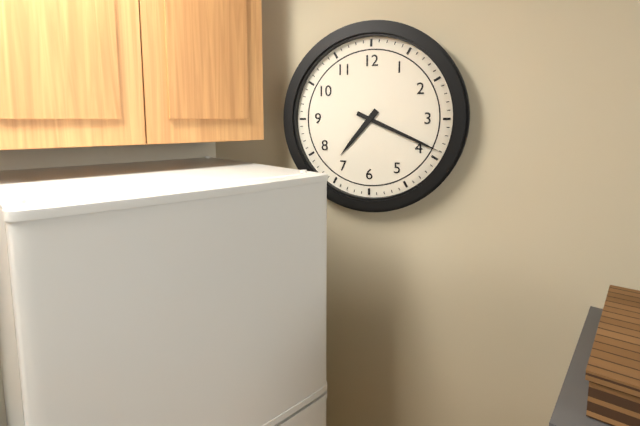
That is 7,19
